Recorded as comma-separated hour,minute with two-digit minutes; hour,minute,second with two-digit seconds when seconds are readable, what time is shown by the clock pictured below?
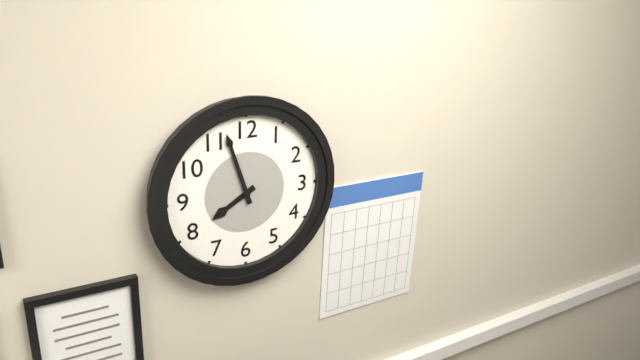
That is 7,57
